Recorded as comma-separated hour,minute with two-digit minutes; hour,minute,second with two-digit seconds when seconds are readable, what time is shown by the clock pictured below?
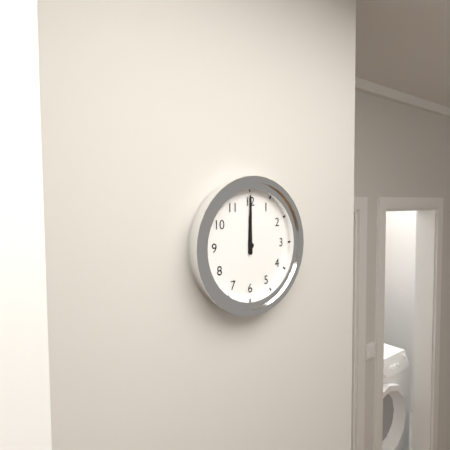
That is 12,00
